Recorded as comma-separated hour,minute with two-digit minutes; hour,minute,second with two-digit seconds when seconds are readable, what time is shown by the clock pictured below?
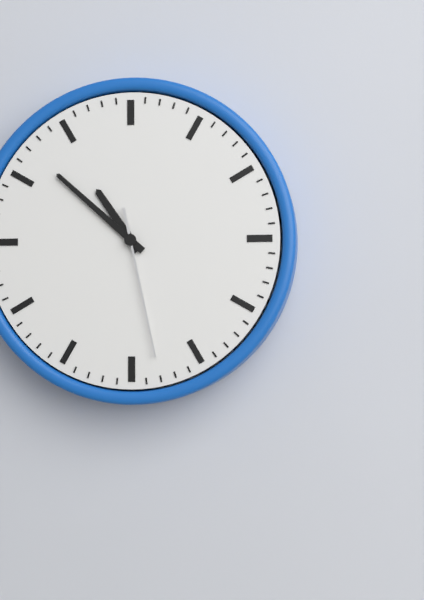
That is 10,52,28
